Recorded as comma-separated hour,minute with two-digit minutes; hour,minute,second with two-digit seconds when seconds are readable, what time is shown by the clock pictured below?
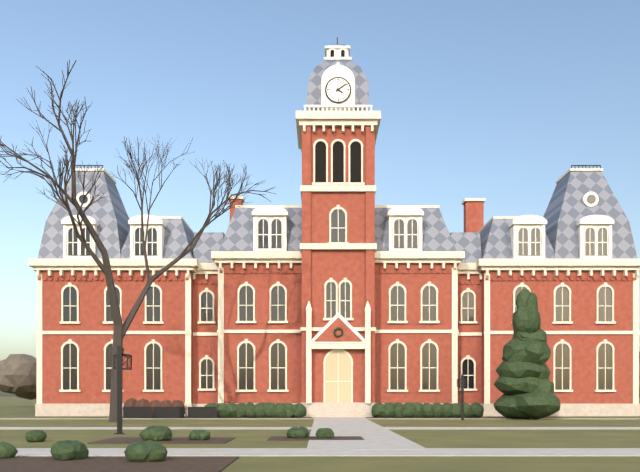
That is 4,09
